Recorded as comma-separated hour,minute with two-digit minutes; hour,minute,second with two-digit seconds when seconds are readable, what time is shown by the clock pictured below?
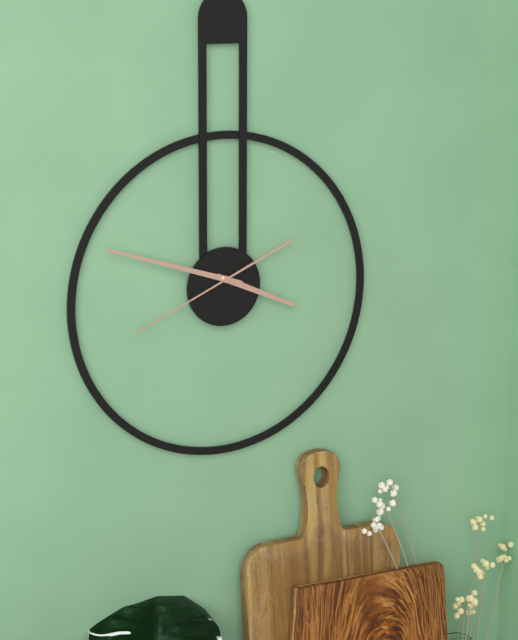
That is 3,48,41
